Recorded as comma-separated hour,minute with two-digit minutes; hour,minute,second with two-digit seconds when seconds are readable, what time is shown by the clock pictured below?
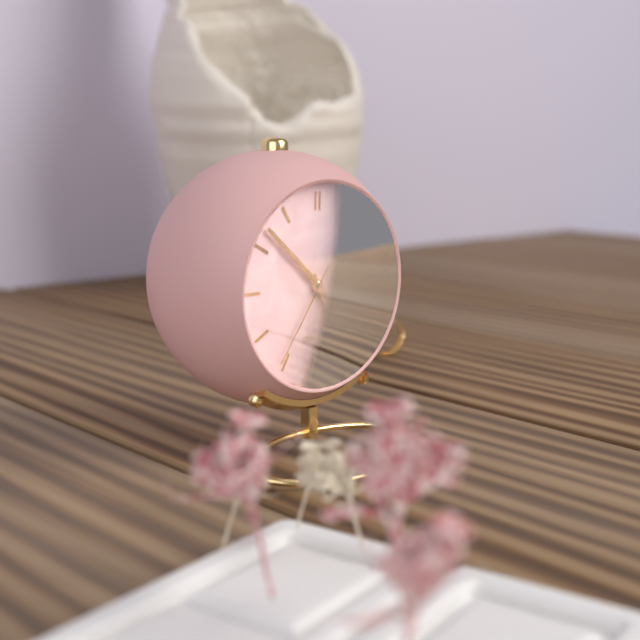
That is 4,52,36
